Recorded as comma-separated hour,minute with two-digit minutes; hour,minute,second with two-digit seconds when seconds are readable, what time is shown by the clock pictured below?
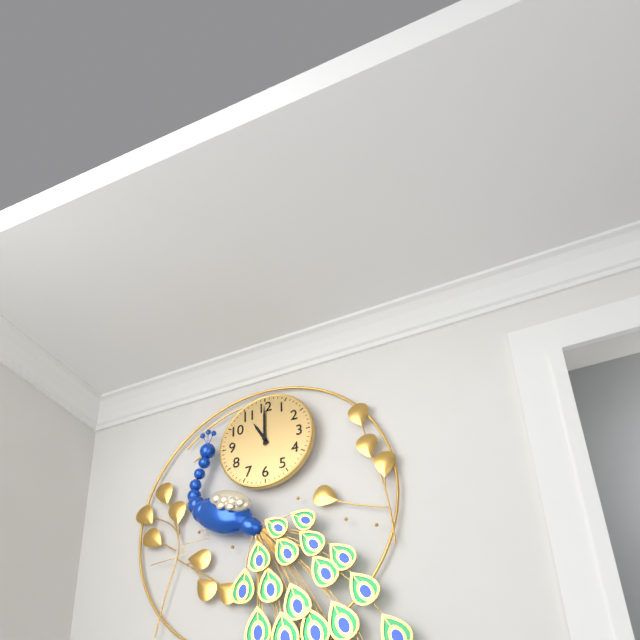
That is 11,00
